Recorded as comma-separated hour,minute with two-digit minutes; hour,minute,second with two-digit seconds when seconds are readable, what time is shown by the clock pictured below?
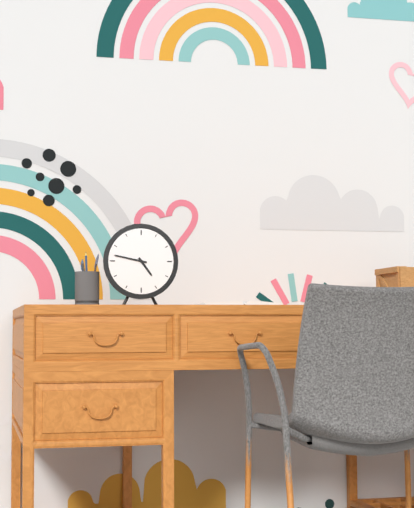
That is 4,47
